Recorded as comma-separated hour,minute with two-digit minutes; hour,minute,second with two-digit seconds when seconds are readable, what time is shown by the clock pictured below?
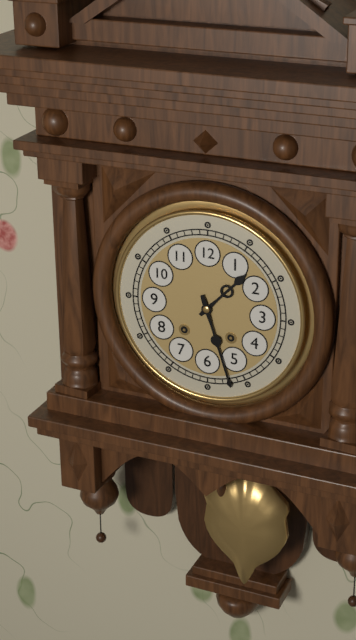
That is 1,27
